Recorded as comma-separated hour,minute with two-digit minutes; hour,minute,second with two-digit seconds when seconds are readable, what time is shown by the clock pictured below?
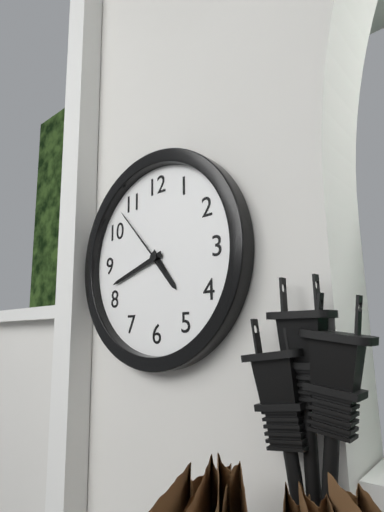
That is 4,42,53
